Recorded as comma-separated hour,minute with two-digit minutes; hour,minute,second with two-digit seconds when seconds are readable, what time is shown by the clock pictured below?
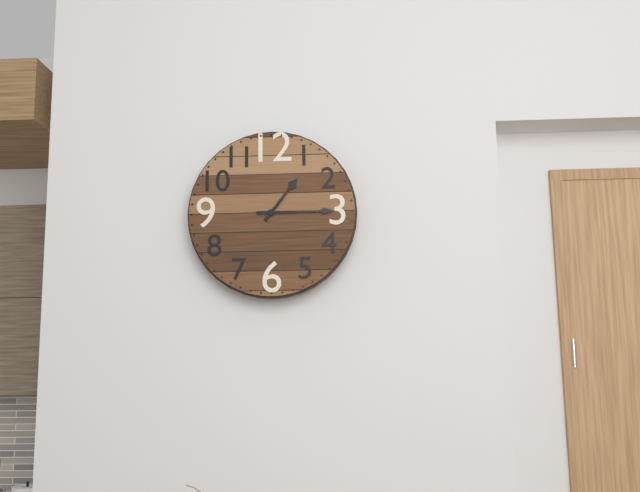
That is 1,15
